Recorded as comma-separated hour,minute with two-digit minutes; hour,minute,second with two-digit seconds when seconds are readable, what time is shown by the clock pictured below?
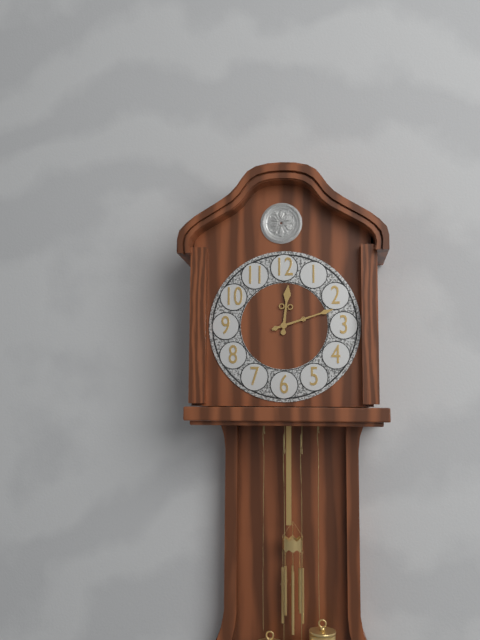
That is 12,12
